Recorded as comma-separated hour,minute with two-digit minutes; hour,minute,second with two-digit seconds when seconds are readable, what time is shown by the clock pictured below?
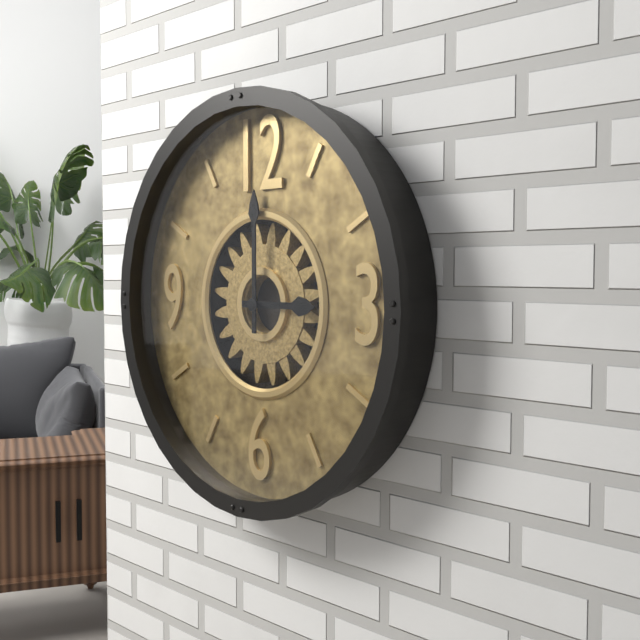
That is 3,00
